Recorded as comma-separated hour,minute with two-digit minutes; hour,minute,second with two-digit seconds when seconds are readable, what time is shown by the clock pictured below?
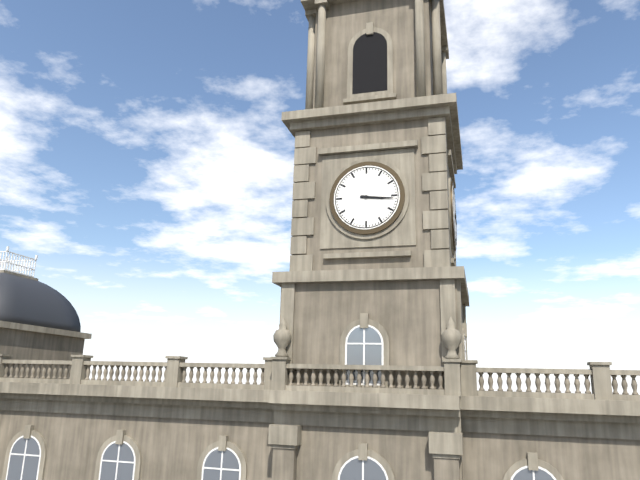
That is 3,16
